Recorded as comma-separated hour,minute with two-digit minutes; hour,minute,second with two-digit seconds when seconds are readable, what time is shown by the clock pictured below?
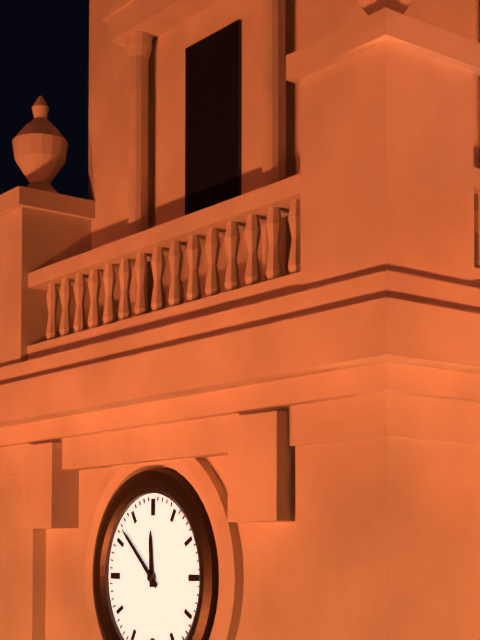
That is 11,52
